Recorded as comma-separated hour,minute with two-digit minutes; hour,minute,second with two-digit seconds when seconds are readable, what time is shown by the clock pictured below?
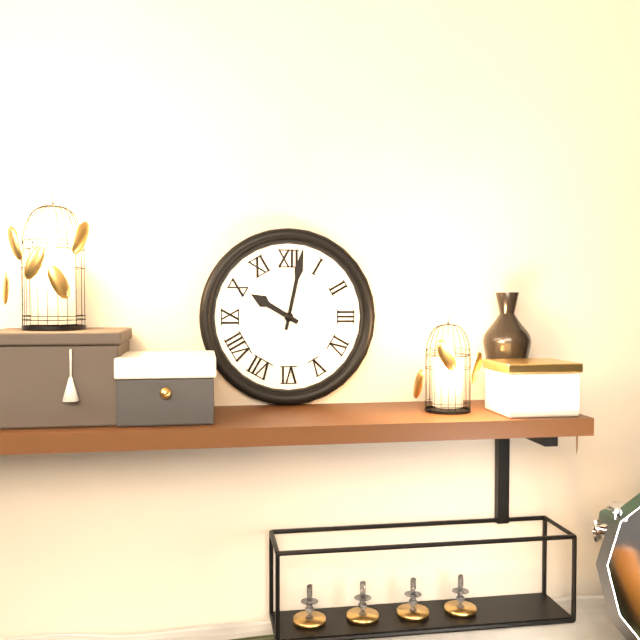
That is 10,02
